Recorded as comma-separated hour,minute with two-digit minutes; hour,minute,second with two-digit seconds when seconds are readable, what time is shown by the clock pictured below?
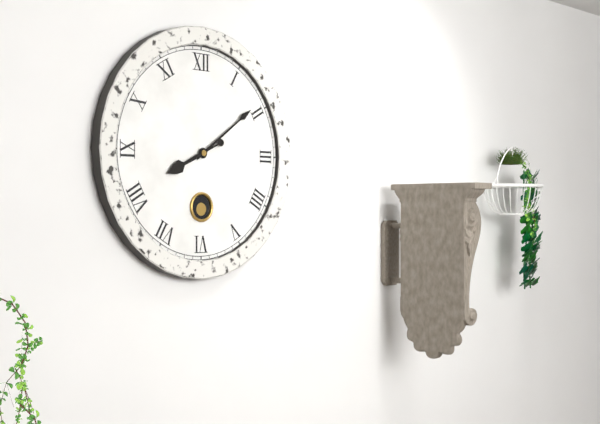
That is 8,09
